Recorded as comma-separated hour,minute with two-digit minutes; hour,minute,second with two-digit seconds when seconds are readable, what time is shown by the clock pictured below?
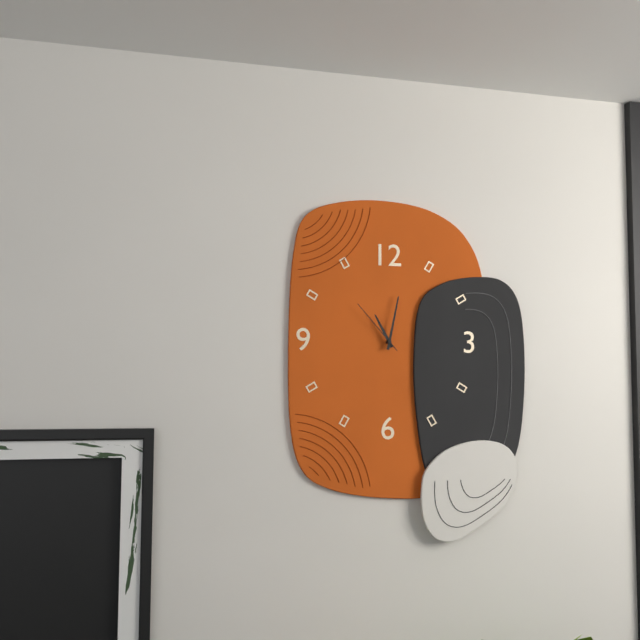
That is 11,02,53
